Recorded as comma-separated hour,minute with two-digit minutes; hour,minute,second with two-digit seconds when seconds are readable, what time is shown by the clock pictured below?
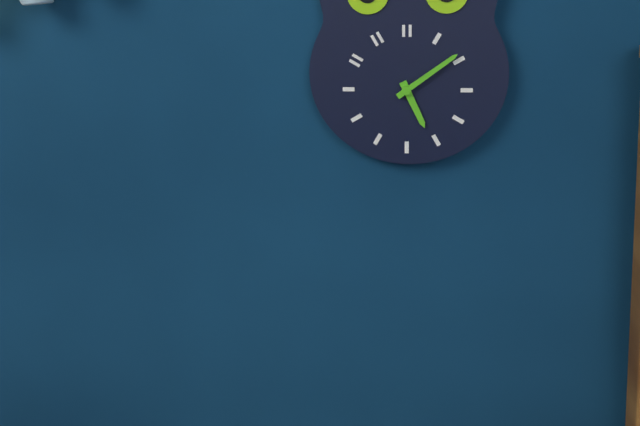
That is 5,09
